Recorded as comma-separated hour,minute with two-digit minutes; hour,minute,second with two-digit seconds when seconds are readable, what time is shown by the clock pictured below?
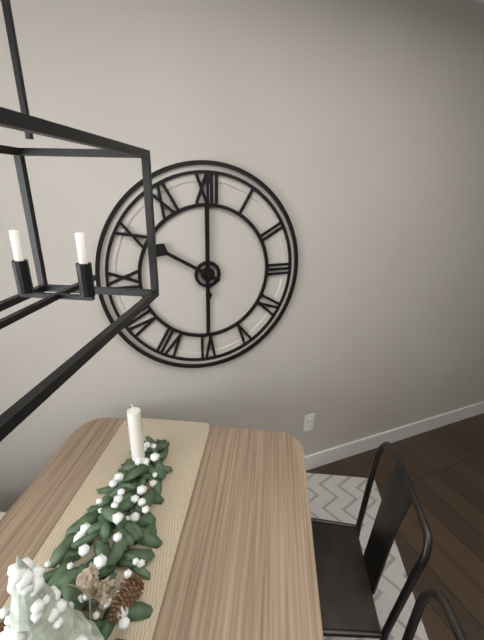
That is 10,00
